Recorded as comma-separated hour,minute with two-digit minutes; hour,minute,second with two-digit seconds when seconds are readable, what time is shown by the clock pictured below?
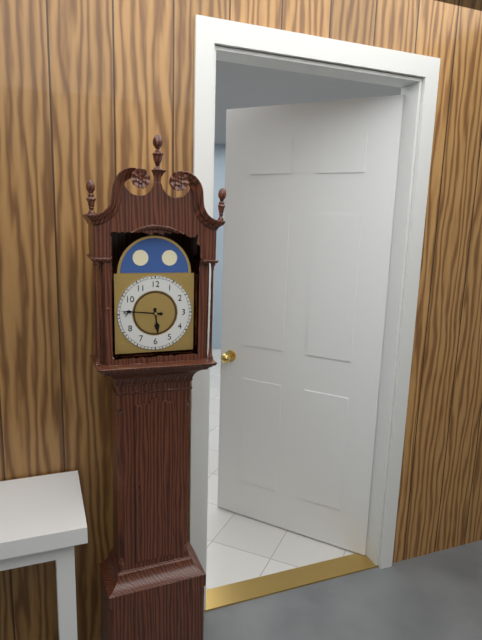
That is 5,46
